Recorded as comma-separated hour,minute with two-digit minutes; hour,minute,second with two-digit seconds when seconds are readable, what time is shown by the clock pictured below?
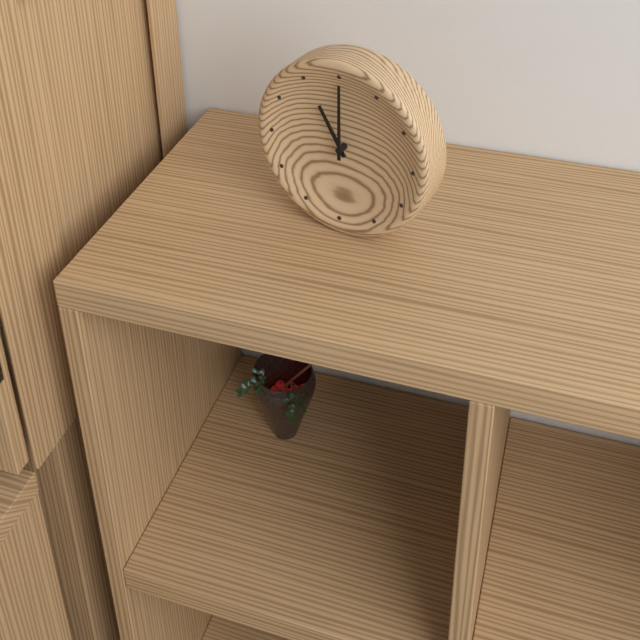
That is 11,00
